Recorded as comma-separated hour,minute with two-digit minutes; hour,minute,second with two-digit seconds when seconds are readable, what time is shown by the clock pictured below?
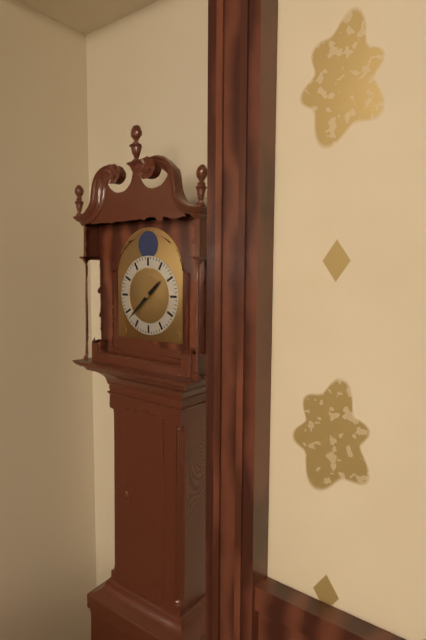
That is 1,38
